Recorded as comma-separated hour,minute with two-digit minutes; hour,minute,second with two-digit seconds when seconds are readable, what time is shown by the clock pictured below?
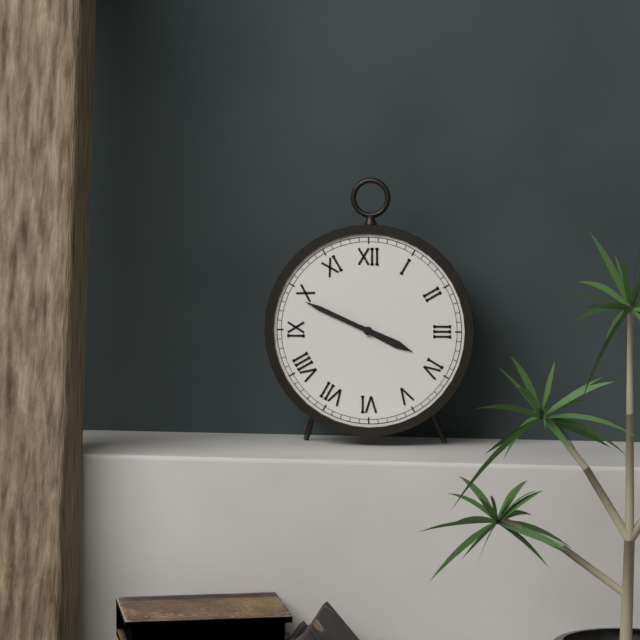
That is 3,49
